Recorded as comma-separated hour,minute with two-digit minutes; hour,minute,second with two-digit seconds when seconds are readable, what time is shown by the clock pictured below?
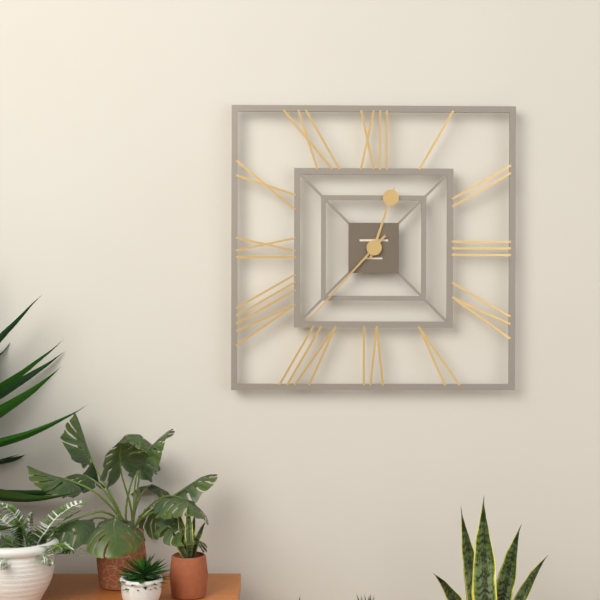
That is 12,37
